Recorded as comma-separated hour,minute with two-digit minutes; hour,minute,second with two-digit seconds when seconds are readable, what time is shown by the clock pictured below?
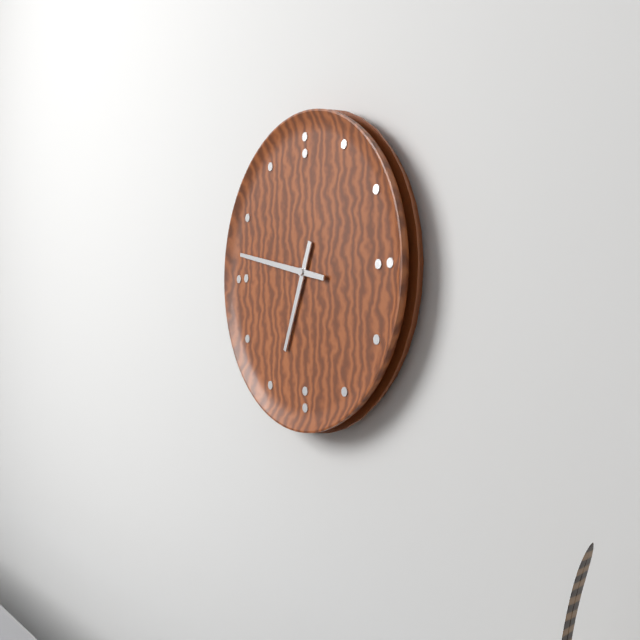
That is 6,47
